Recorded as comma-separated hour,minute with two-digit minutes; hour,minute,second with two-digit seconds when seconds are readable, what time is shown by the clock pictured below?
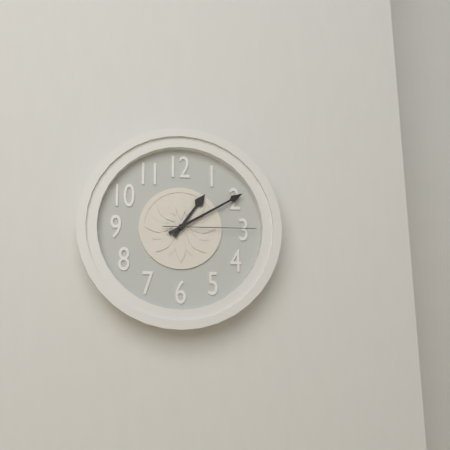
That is 1,10,15
